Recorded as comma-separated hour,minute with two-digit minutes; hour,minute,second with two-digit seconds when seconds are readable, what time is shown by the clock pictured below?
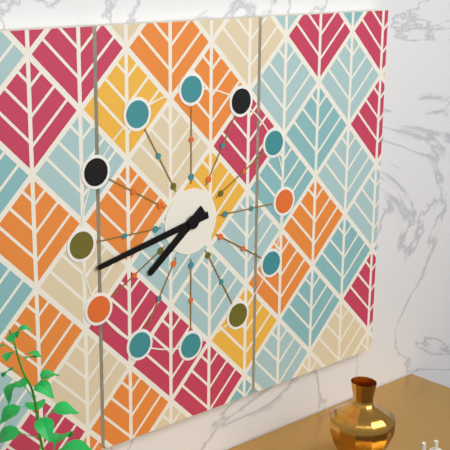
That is 7,43
